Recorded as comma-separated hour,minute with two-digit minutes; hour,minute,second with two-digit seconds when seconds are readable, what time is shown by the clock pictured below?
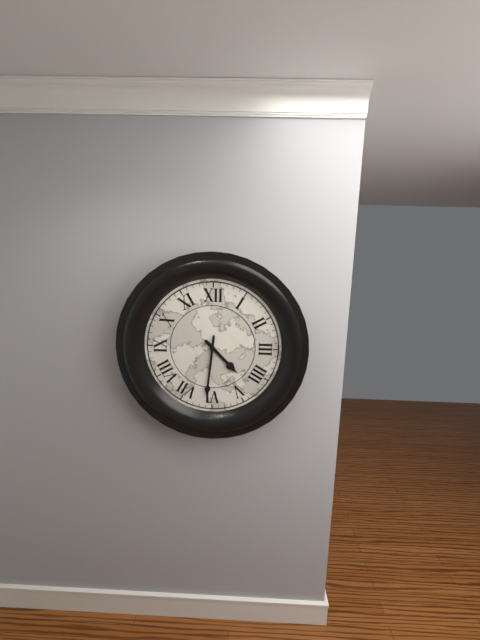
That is 4,31
